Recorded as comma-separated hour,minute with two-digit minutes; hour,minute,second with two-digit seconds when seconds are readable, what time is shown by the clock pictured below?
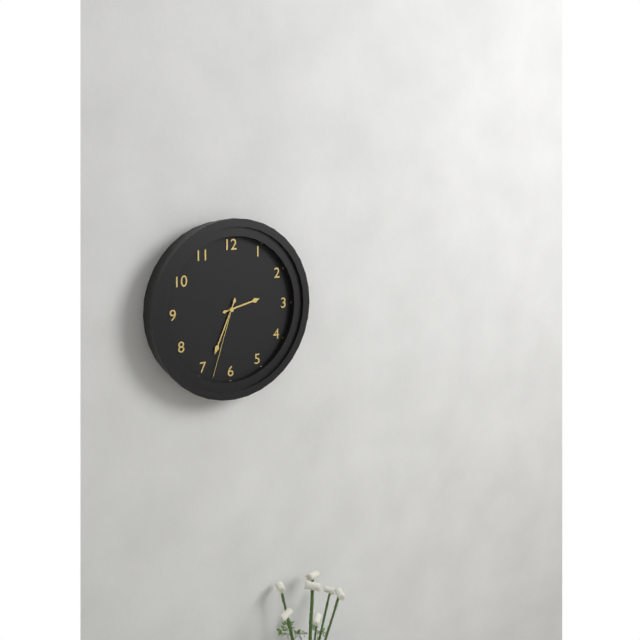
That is 2,34,33
